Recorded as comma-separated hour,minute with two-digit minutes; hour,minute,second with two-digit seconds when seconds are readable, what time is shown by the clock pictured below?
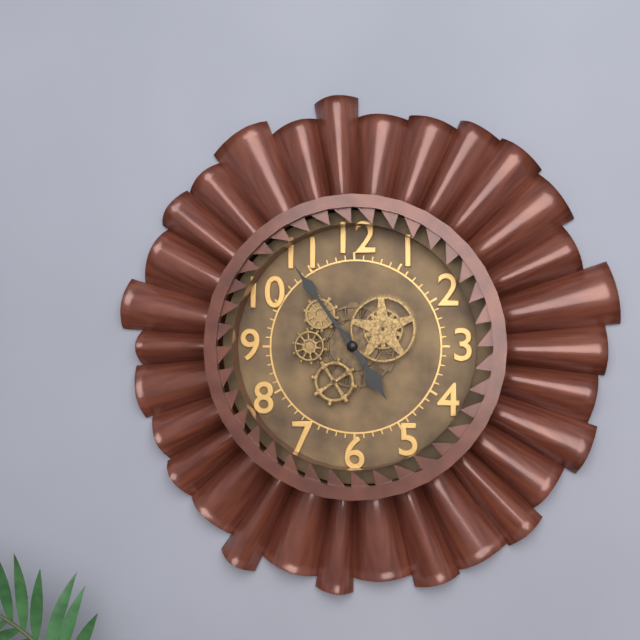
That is 4,54
